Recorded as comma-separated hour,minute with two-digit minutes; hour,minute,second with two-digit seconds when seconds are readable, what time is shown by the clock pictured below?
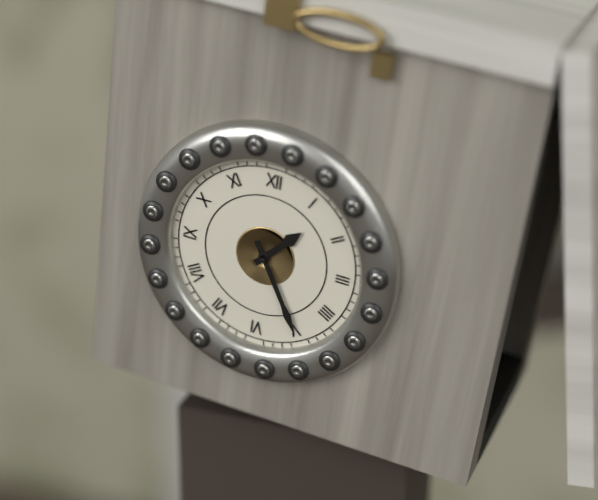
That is 1,25
